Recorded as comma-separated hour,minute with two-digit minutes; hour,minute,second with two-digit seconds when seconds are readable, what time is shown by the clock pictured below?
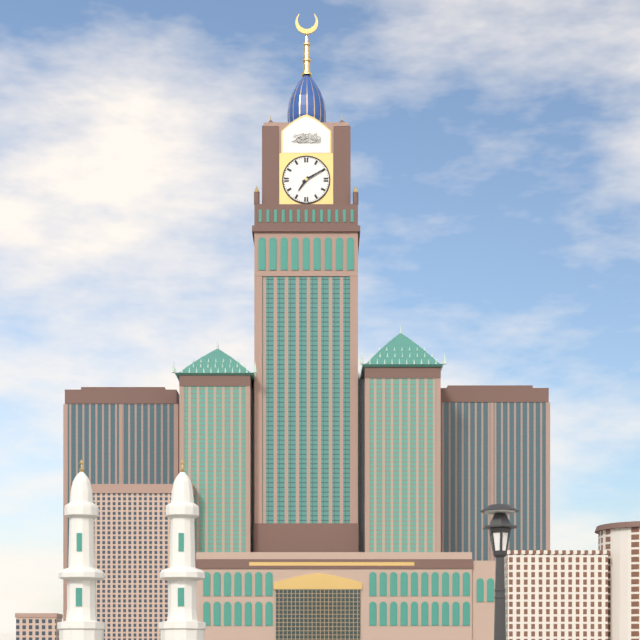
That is 7,10
